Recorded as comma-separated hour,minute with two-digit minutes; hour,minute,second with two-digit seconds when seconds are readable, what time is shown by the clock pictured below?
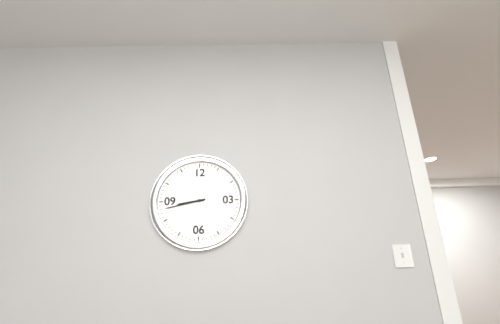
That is 8,43
